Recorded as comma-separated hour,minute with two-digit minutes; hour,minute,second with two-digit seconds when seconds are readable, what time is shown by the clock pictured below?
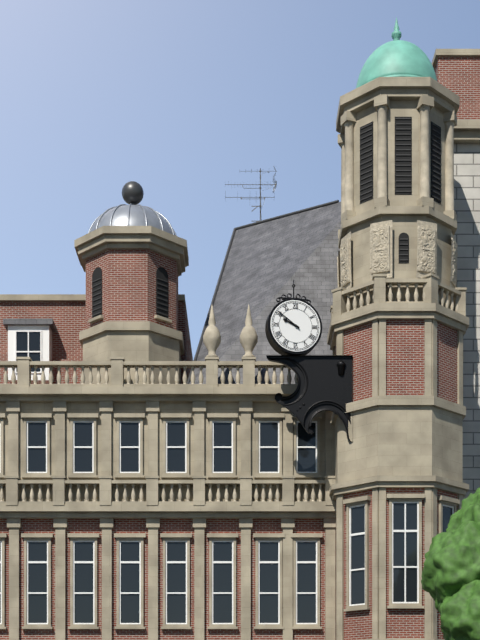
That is 9,51
